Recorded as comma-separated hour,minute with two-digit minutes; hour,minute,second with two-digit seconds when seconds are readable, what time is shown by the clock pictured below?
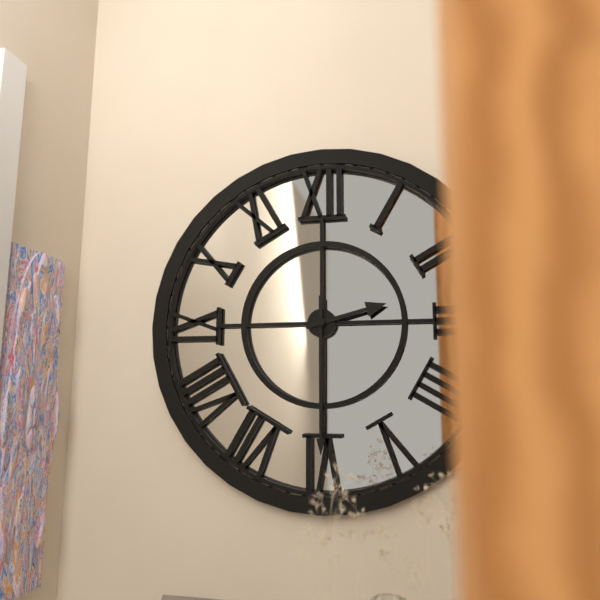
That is 2,30
